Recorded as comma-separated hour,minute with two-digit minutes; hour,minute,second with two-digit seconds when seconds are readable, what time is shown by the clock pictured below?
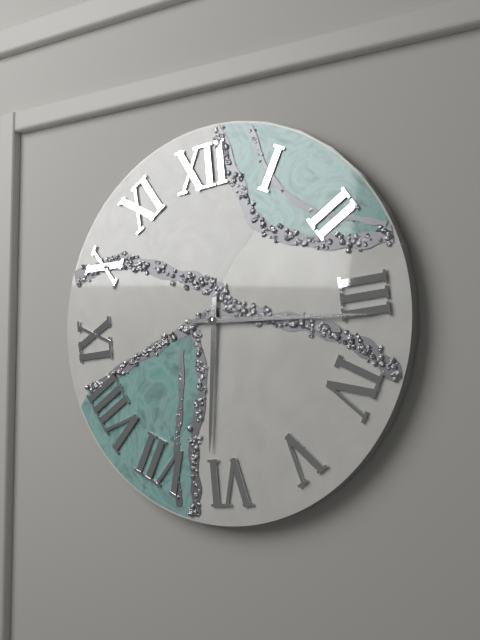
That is 6,16
